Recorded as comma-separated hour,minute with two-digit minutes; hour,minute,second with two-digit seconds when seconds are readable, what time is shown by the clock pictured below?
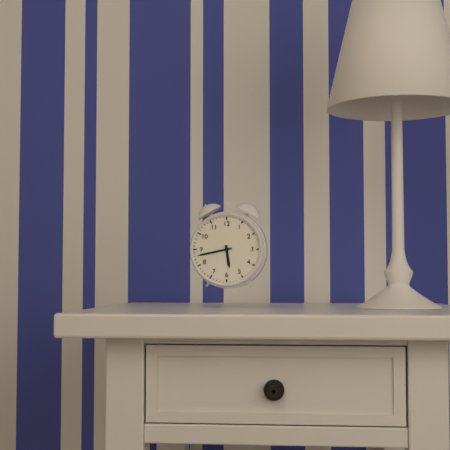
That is 5,43
